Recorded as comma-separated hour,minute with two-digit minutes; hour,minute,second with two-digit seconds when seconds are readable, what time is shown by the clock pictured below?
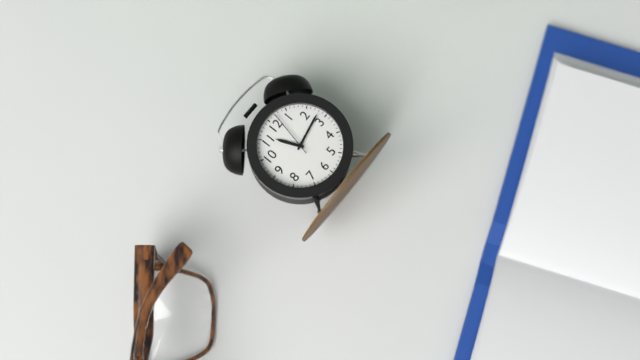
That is 11,13,02
